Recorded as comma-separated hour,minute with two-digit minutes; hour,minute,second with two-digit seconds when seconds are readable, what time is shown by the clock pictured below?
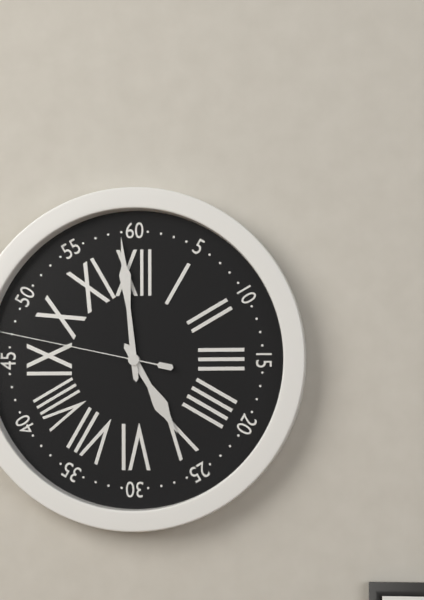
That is 4,59
